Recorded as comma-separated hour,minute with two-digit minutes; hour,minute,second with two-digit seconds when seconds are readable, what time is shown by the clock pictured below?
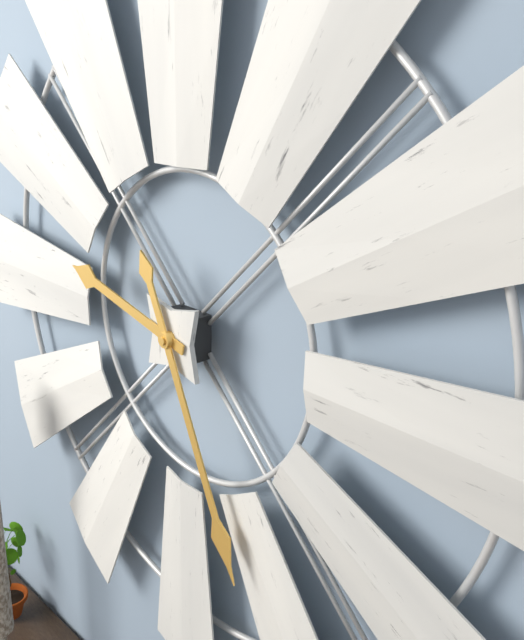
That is 9,26
